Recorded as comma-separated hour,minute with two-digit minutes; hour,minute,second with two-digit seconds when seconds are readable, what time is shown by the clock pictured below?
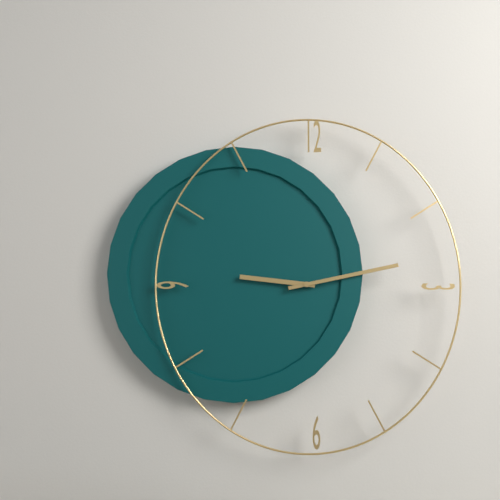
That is 9,13
